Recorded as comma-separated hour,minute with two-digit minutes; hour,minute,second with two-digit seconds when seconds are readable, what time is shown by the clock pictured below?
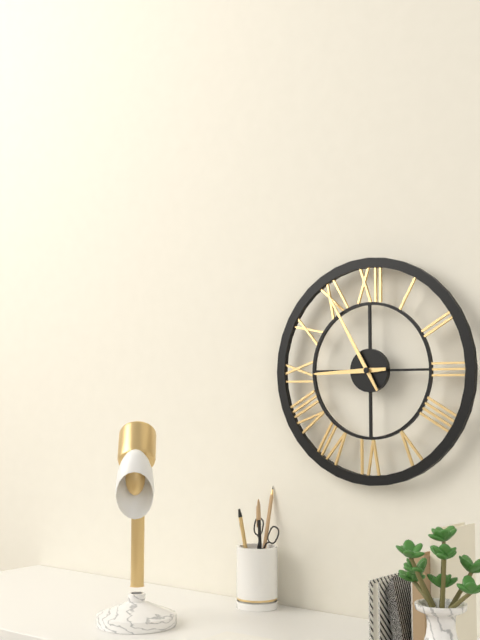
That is 8,55
